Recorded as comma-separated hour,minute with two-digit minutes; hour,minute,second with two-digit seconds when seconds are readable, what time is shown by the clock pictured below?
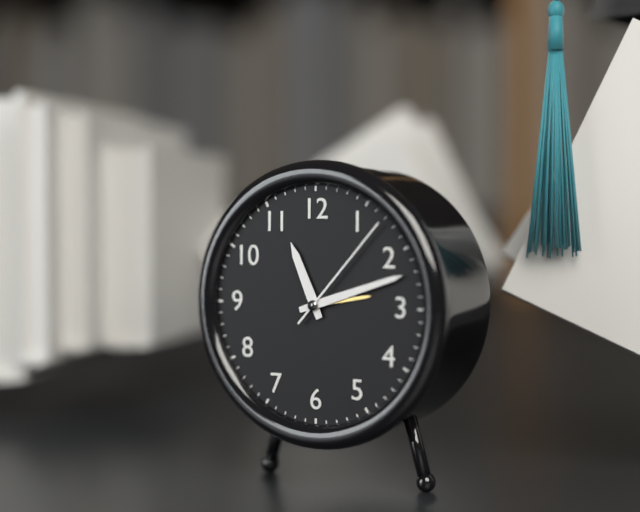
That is 11,12,07
